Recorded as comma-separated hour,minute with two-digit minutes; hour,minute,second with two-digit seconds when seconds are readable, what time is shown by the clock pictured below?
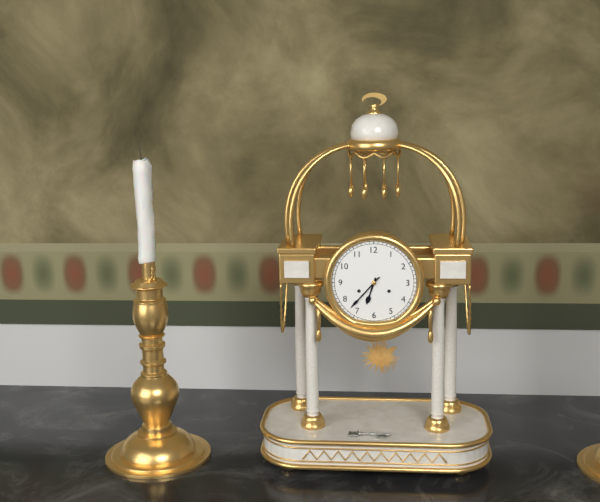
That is 6,37
